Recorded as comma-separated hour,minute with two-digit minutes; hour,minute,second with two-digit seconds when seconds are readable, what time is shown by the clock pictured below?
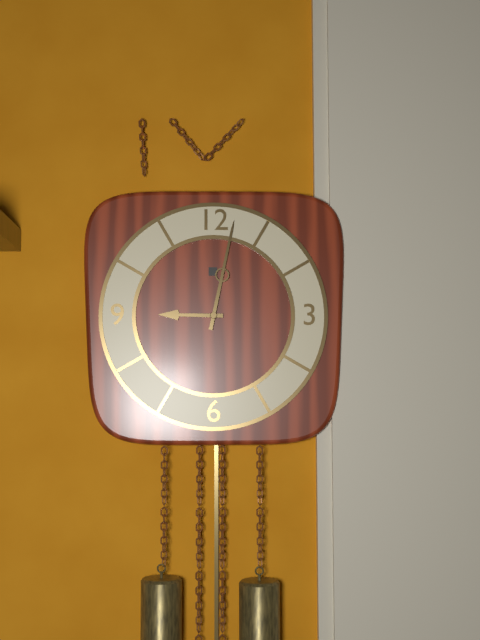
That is 9,02
